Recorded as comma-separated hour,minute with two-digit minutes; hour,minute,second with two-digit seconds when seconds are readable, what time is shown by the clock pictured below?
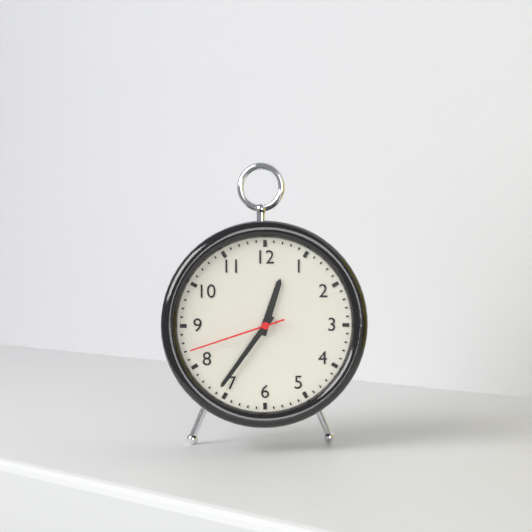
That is 12,36,42
